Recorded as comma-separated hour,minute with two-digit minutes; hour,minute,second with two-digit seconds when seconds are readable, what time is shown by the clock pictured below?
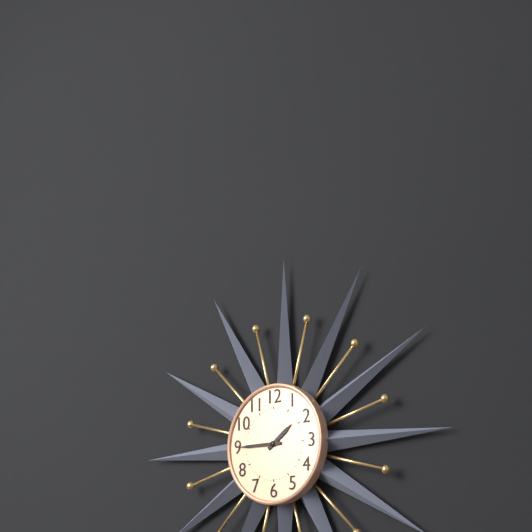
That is 1,45
